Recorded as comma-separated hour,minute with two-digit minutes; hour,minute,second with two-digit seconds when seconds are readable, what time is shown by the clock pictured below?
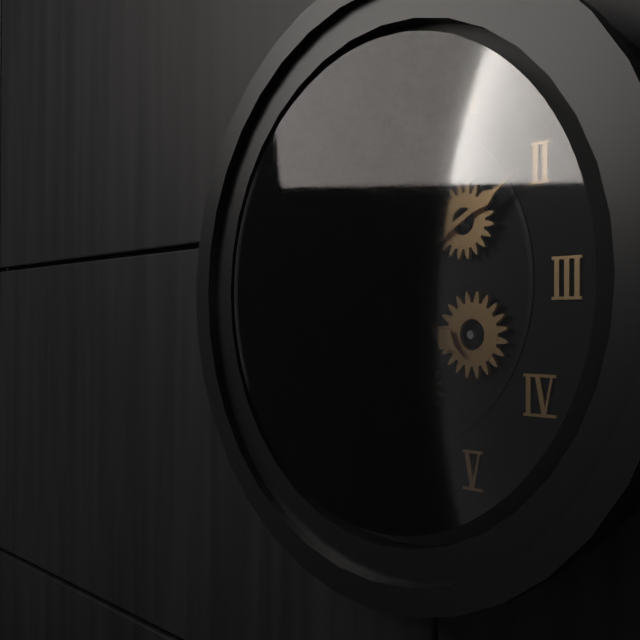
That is 4,10
